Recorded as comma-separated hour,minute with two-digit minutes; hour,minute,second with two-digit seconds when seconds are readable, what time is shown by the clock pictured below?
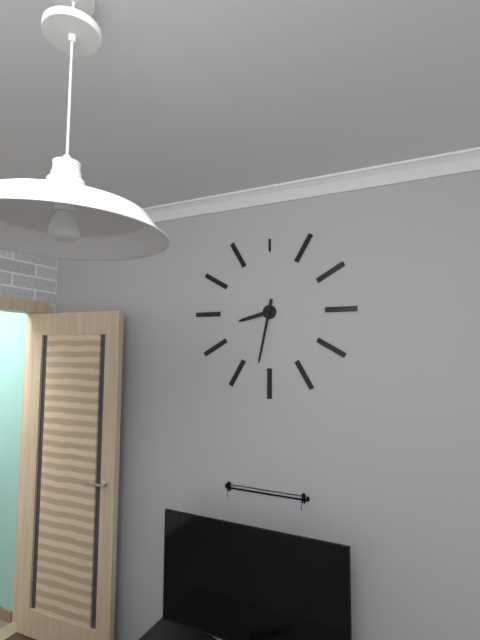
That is 8,32
